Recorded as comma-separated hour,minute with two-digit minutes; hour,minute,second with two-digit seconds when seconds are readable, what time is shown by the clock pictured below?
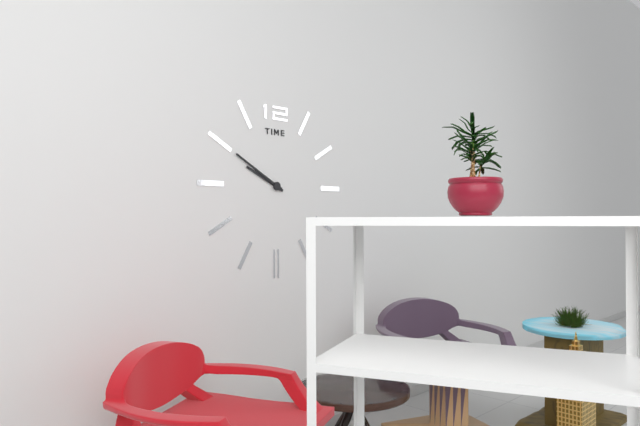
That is 9,50
